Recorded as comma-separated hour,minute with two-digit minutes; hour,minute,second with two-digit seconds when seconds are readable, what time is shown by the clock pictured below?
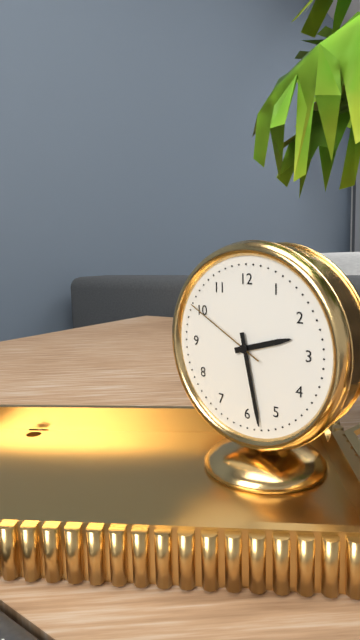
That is 2,28,50
